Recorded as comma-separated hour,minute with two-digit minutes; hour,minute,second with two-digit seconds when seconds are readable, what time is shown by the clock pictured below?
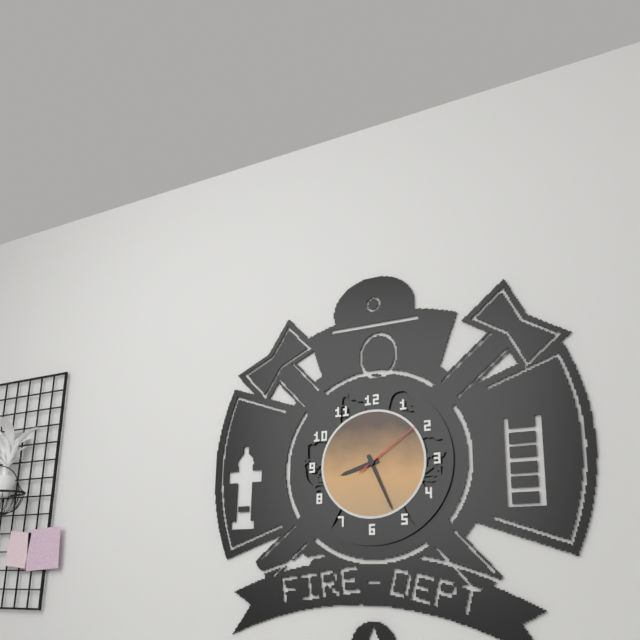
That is 8,26,09
